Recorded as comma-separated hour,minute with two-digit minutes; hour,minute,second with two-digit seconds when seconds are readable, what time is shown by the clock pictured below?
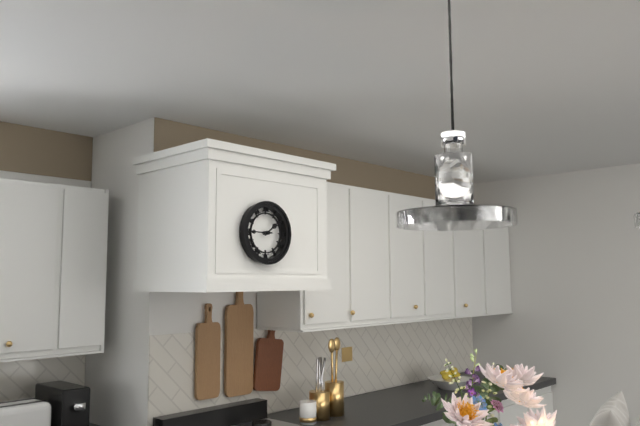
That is 1,45
